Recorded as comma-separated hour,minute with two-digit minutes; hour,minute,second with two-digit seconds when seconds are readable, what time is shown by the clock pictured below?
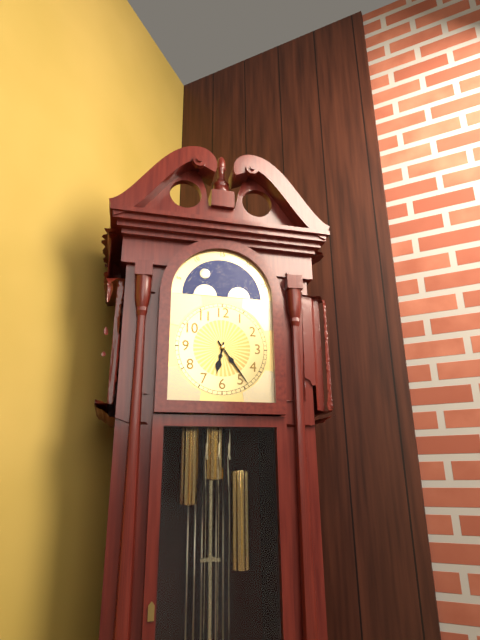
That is 6,24
